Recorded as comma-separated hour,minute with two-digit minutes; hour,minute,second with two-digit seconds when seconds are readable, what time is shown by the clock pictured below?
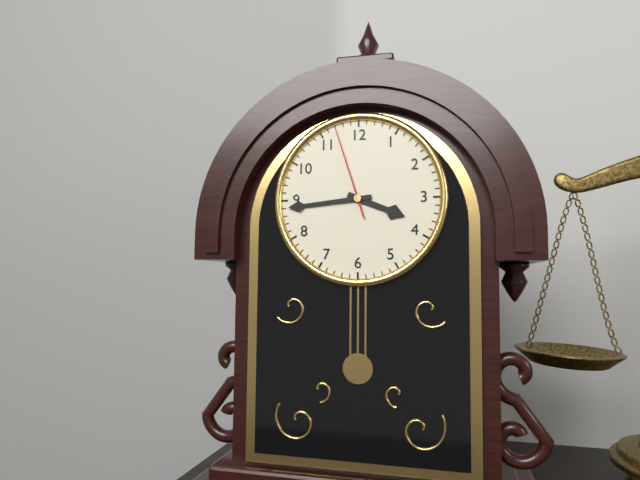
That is 3,44,57
